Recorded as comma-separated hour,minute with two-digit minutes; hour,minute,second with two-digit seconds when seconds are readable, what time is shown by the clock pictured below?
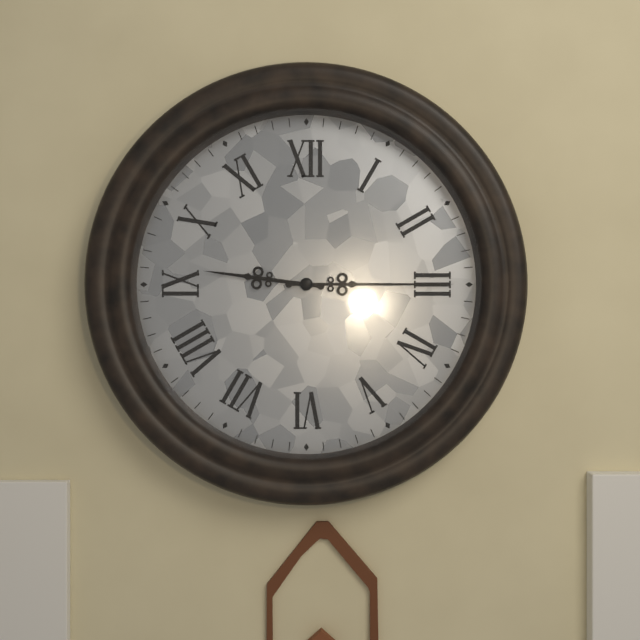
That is 9,15
